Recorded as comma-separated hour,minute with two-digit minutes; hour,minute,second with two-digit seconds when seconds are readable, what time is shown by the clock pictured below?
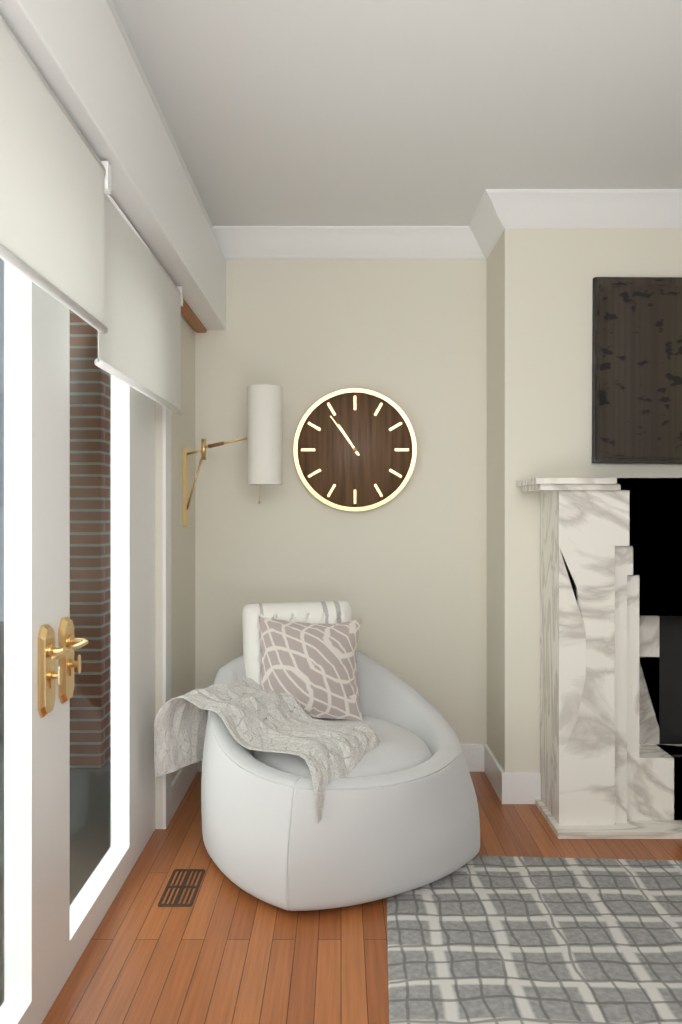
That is 10,54
